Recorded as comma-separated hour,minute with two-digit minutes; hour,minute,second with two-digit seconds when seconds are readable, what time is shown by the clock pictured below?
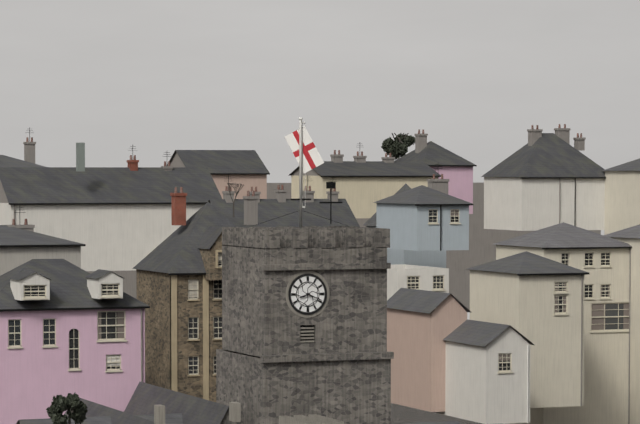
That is 8,19
